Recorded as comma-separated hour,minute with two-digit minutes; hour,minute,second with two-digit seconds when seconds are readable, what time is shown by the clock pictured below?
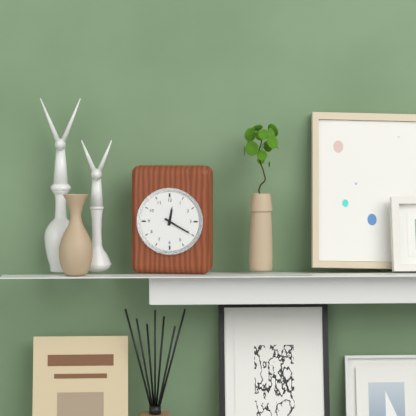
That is 12,20
